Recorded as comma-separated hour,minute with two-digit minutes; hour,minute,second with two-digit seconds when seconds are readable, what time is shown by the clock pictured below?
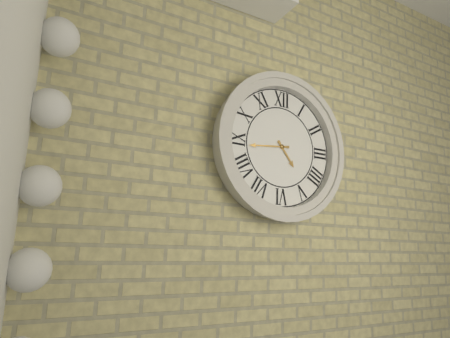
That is 4,44
